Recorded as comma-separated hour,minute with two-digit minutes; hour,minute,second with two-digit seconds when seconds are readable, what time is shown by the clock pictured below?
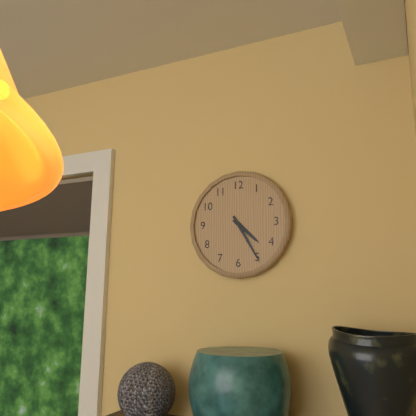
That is 4,25
